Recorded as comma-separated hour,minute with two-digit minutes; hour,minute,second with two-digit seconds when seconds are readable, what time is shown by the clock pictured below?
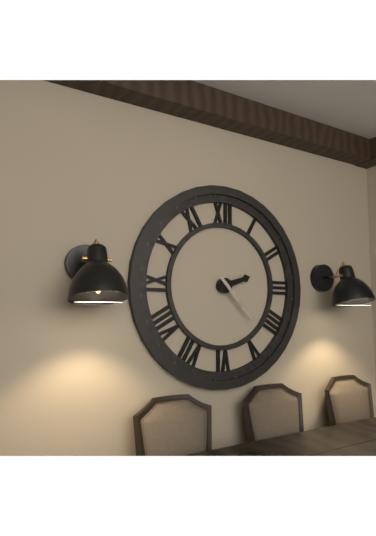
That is 2,23
